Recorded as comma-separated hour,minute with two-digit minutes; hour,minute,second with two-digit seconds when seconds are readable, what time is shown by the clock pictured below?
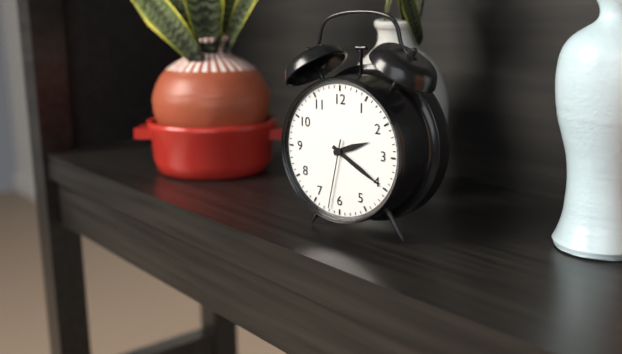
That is 2,20,32
